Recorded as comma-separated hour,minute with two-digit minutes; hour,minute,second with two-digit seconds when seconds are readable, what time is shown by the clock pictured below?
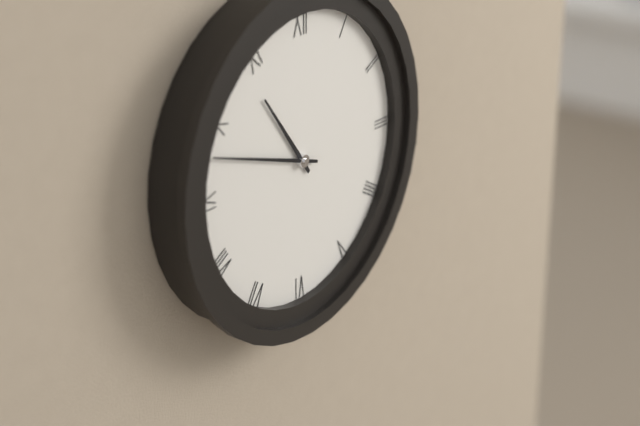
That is 10,48
